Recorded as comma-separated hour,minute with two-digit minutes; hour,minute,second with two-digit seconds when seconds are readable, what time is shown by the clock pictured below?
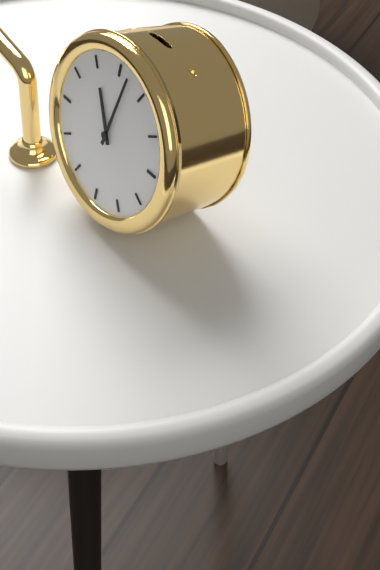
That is 11,02
